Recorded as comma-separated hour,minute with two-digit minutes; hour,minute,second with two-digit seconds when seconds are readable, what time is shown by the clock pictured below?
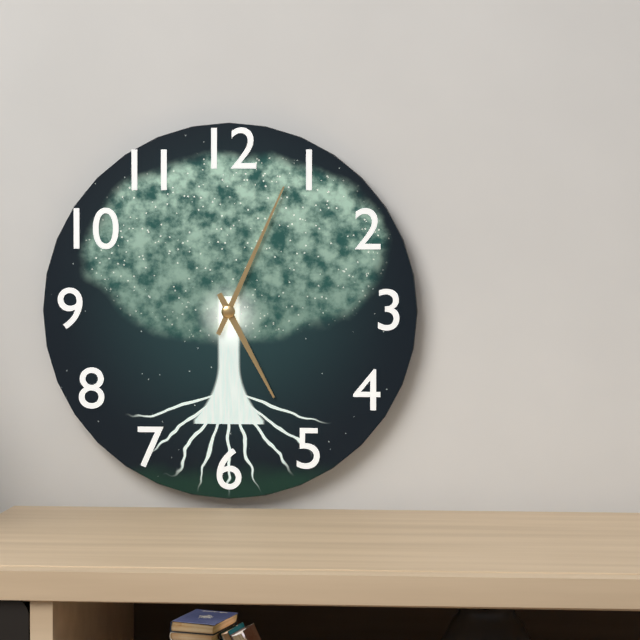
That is 5,04
